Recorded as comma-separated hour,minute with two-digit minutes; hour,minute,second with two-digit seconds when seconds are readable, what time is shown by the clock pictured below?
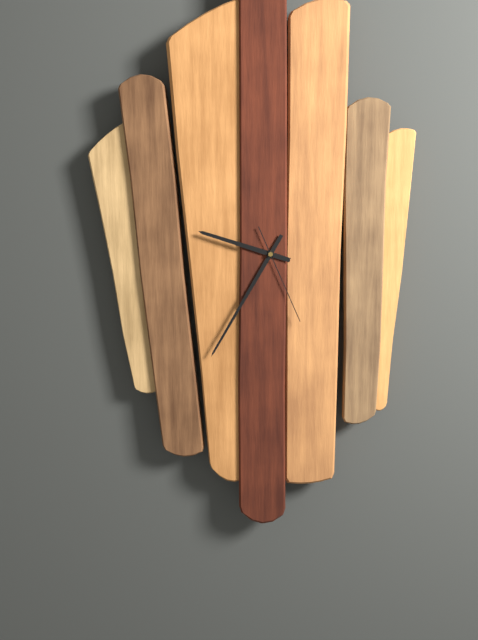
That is 9,35,26
